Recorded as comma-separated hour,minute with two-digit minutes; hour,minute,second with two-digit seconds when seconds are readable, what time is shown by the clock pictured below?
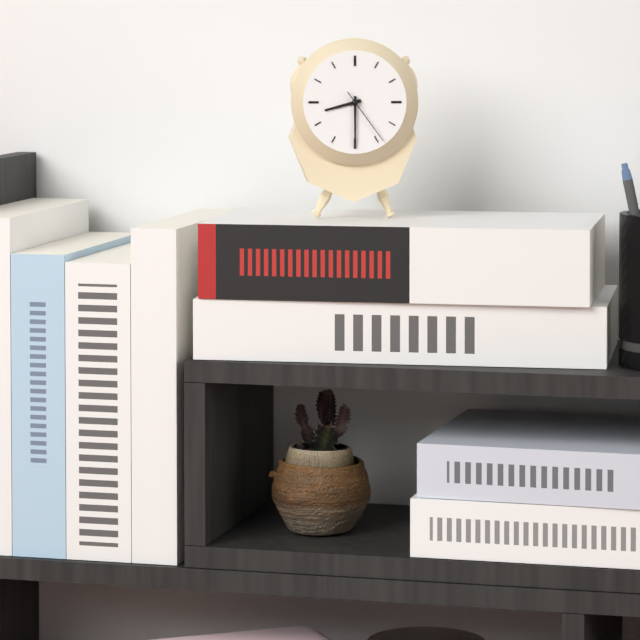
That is 8,30,24
